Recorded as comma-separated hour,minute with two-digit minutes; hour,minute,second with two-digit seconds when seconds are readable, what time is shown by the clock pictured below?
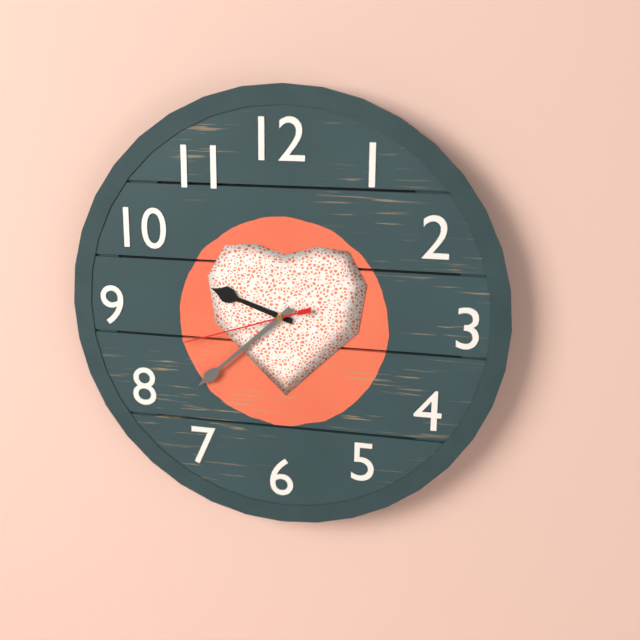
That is 9,38,42
